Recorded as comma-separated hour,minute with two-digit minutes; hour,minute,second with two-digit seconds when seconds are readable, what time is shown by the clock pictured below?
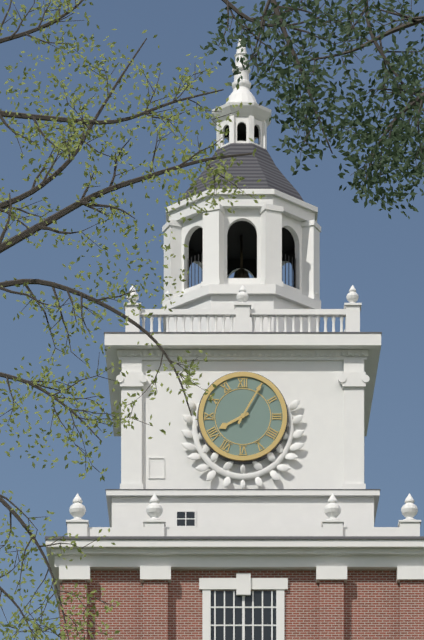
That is 8,05
